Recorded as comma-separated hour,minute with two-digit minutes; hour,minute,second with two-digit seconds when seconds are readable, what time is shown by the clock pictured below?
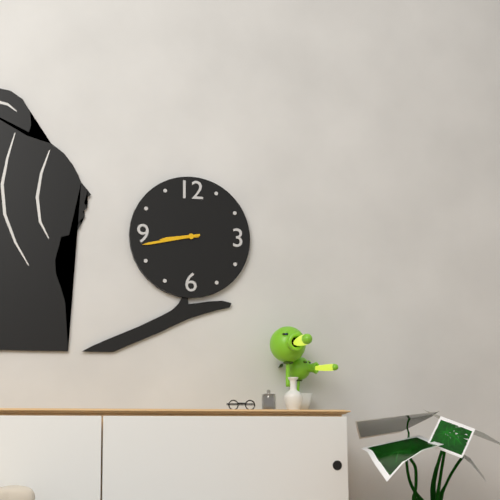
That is 8,43
